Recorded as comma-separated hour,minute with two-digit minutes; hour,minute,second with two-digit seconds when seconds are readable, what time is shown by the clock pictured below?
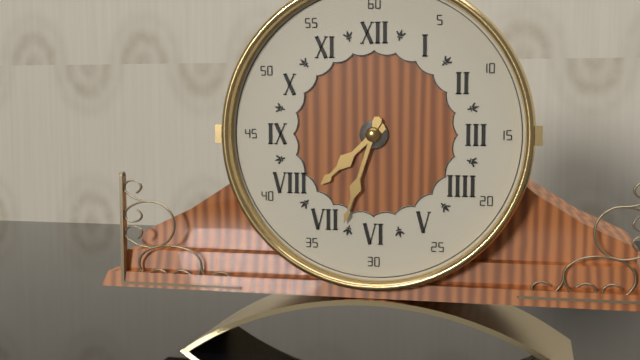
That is 7,33
